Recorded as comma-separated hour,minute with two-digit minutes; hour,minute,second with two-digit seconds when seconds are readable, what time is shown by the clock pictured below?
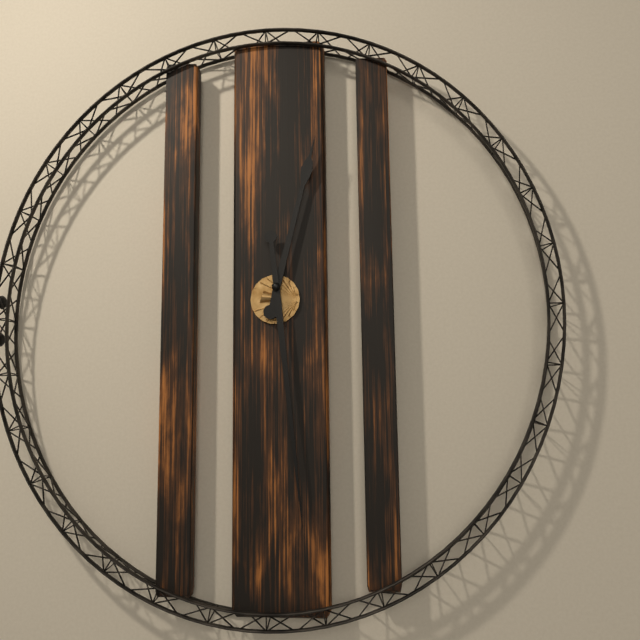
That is 12,29
